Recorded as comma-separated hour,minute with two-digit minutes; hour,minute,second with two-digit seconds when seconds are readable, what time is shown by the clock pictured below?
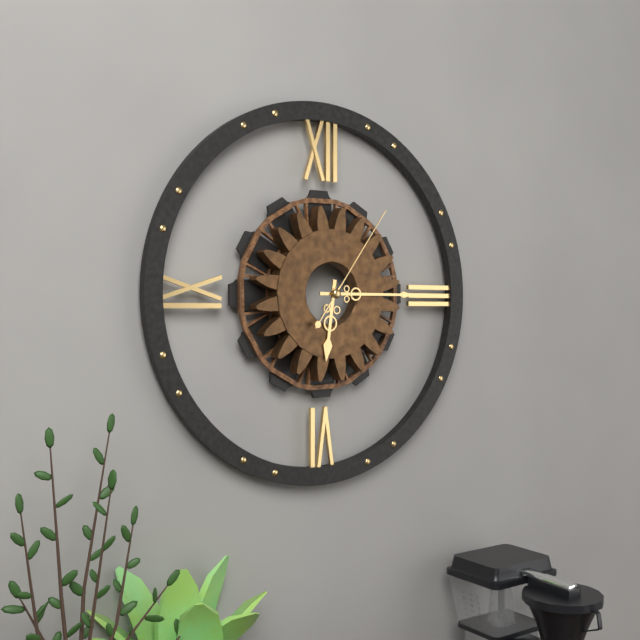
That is 6,15,06
